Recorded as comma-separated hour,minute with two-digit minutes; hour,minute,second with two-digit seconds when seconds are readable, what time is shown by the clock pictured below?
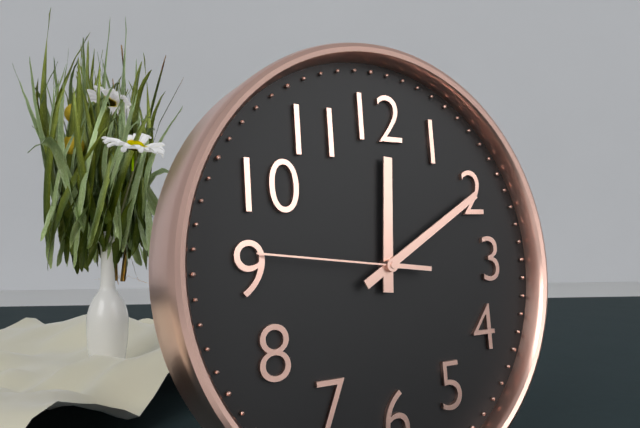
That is 12,10,46
